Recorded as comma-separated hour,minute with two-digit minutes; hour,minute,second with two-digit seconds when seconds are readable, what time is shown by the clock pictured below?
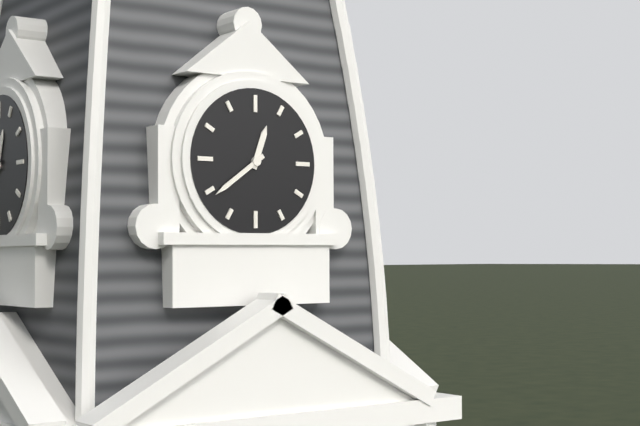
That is 12,39
